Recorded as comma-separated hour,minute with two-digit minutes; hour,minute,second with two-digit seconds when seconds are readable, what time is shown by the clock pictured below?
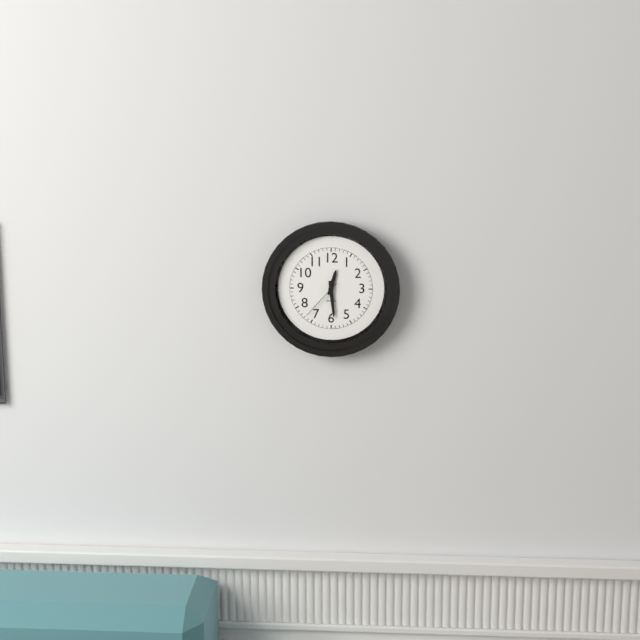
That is 12,29
